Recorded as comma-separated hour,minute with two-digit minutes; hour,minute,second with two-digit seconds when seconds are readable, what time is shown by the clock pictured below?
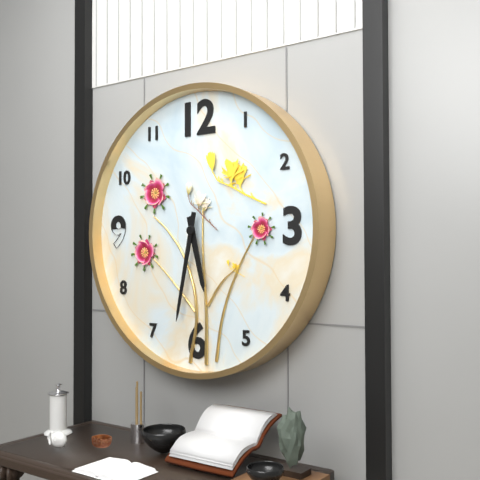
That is 5,32
